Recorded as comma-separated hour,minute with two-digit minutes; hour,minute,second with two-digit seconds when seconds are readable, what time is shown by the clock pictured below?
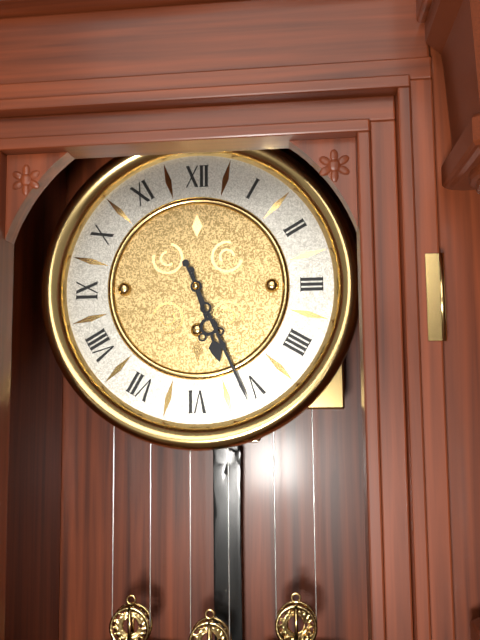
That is 5,26
